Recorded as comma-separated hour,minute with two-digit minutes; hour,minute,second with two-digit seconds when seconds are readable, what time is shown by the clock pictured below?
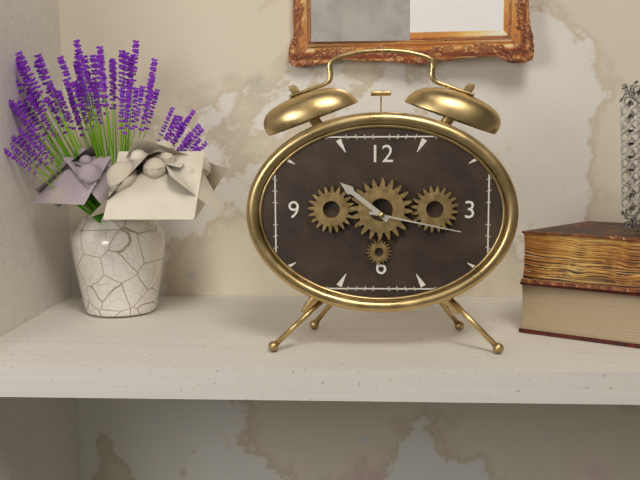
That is 10,17
